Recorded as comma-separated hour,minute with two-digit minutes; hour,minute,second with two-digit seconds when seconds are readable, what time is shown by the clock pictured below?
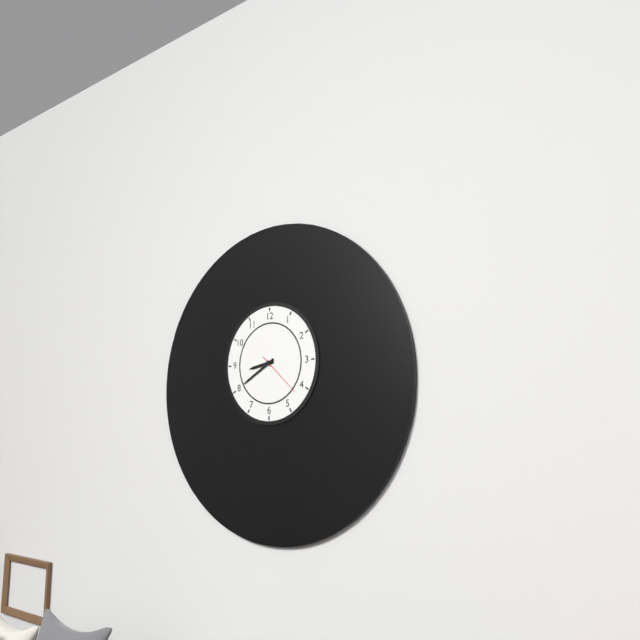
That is 8,40
